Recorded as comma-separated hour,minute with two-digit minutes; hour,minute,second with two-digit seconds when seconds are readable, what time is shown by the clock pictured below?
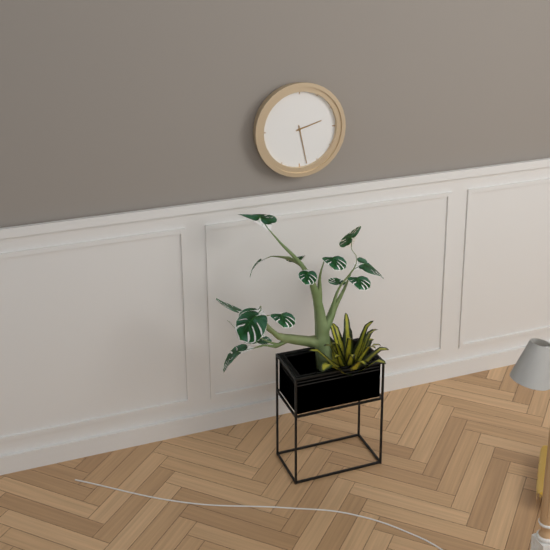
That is 2,28
